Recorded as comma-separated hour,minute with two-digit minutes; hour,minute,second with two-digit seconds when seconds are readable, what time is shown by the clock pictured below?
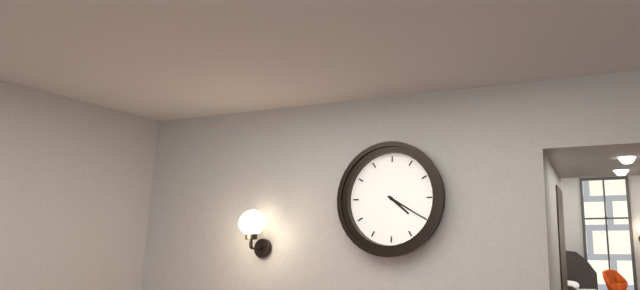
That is 4,20
